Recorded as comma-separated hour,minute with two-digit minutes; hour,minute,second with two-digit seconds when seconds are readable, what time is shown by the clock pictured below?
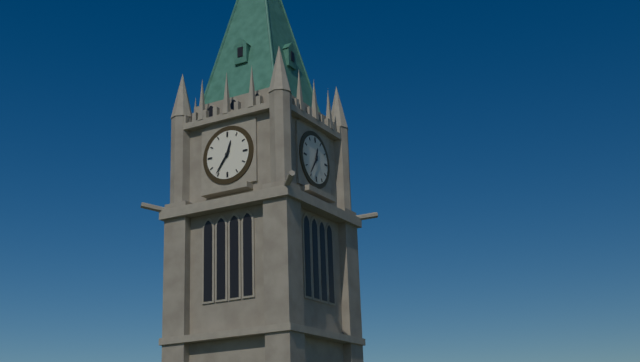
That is 12,36
